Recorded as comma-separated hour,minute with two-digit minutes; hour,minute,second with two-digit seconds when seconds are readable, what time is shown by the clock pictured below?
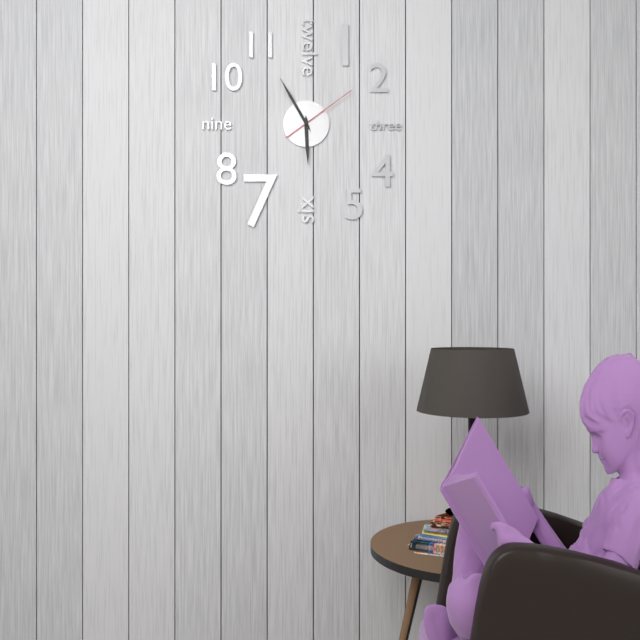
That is 5,55,09
